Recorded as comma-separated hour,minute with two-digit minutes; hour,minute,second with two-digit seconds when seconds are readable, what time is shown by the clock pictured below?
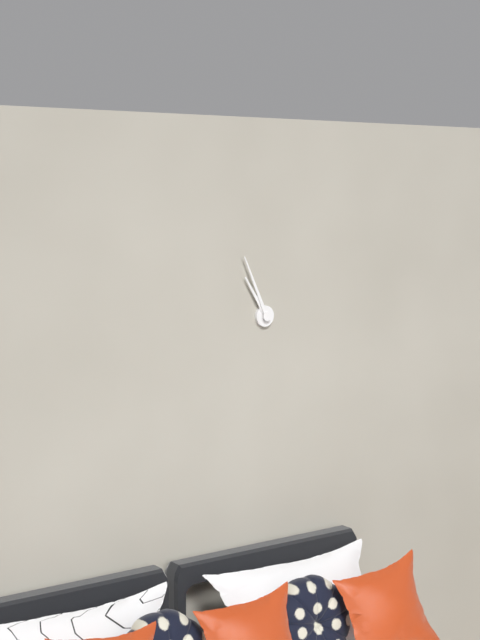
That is 10,56
